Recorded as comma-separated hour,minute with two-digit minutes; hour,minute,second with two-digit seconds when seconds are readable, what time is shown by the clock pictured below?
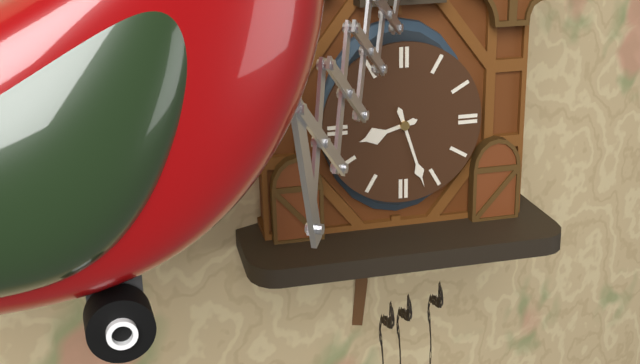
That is 8,27
